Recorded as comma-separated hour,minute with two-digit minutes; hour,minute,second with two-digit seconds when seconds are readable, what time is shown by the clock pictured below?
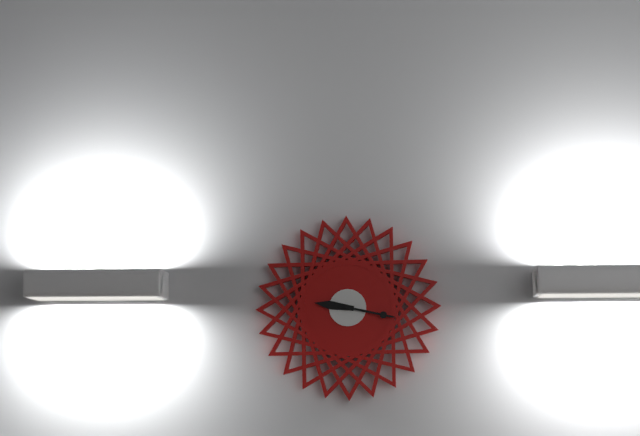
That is 9,17
